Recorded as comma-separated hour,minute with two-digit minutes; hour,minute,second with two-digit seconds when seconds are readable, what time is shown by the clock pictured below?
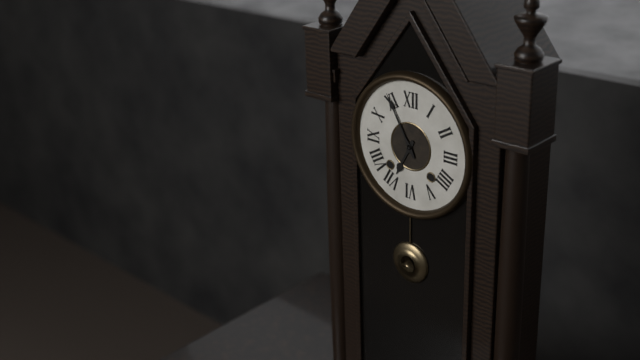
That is 6,55
